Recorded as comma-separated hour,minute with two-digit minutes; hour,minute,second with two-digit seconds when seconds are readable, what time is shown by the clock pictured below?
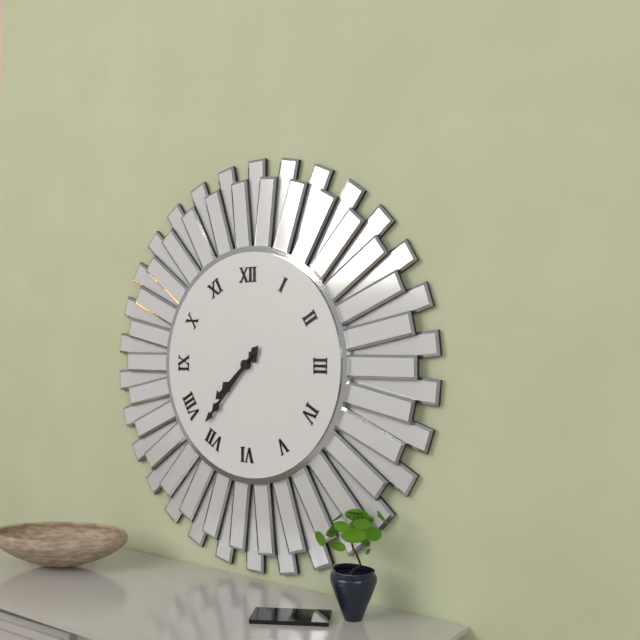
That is 7,37
